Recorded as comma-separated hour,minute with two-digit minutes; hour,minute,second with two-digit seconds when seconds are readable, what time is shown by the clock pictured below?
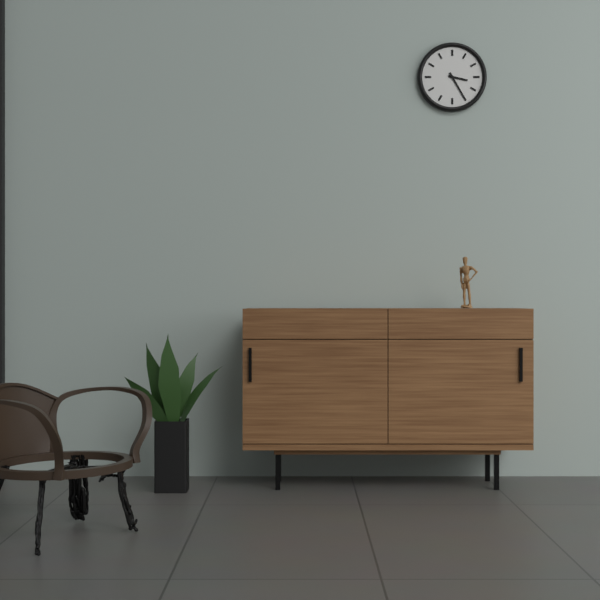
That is 3,25
